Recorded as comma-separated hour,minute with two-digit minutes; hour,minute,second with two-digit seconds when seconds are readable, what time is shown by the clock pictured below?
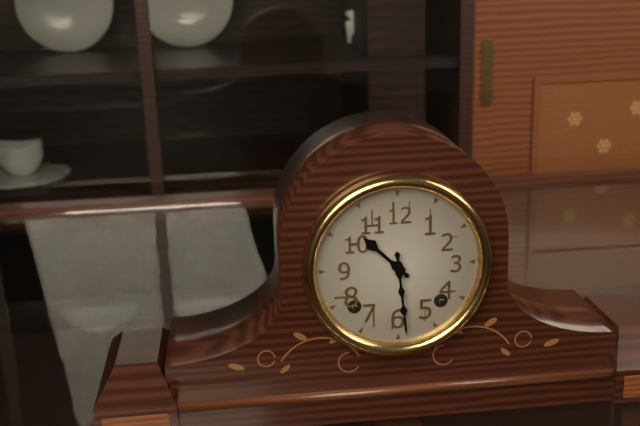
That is 10,29
